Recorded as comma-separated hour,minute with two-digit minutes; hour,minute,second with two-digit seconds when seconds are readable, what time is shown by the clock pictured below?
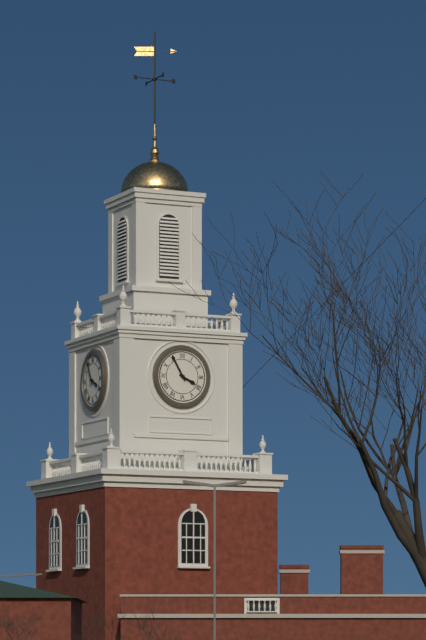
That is 3,55
